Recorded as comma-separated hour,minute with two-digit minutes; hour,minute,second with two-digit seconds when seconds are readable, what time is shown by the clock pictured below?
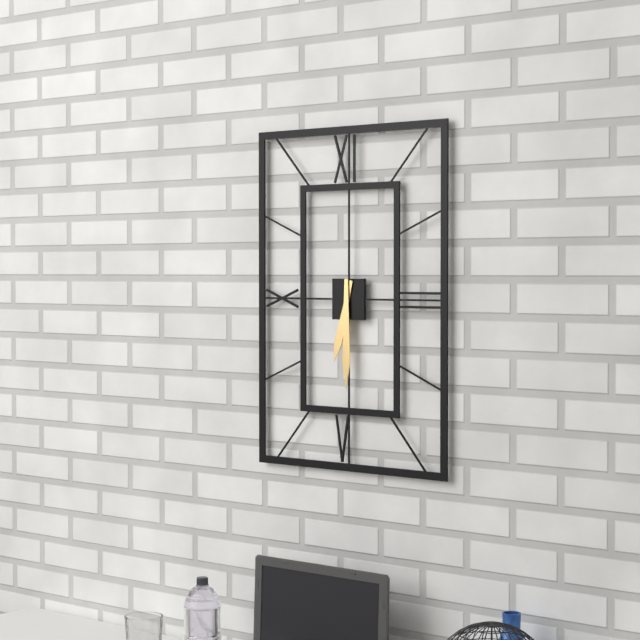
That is 6,30
